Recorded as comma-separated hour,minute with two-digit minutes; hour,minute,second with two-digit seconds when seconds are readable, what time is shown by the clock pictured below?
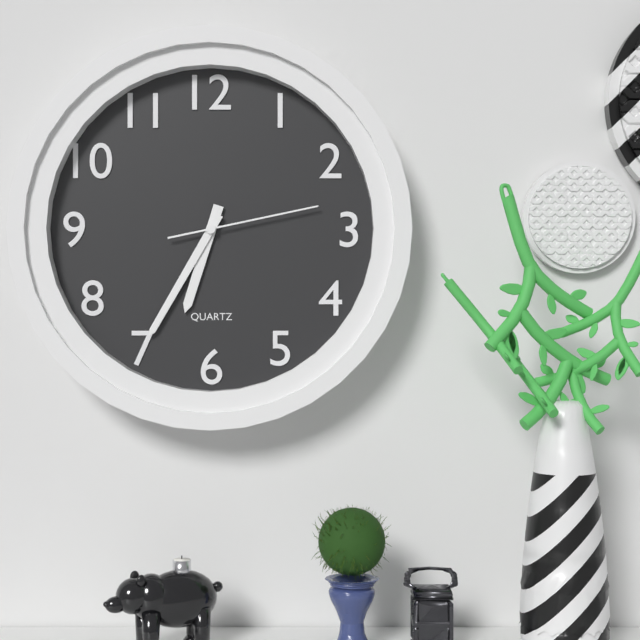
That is 6,35,13
